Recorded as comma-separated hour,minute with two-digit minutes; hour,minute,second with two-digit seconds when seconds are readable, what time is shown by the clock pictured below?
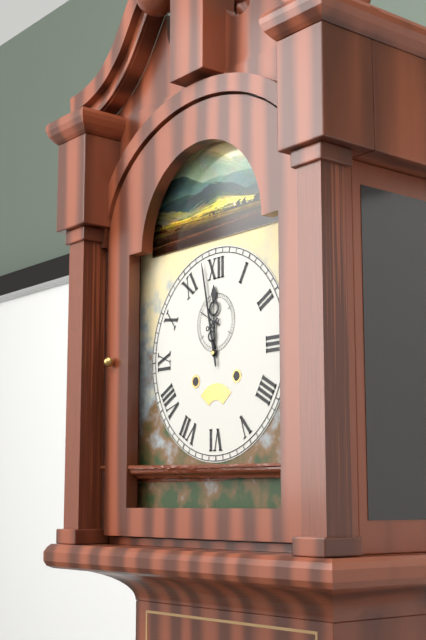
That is 11,58
